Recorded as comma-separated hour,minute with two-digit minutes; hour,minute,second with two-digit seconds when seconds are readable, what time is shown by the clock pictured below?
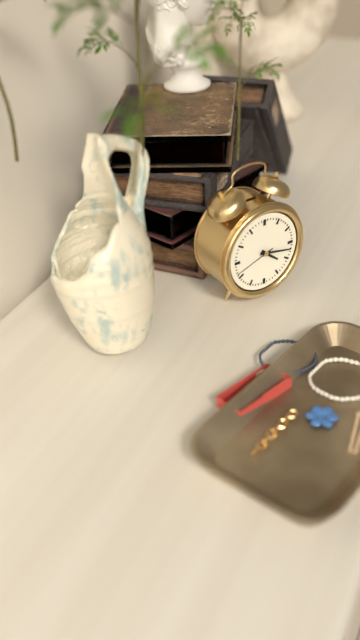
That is 4,17
